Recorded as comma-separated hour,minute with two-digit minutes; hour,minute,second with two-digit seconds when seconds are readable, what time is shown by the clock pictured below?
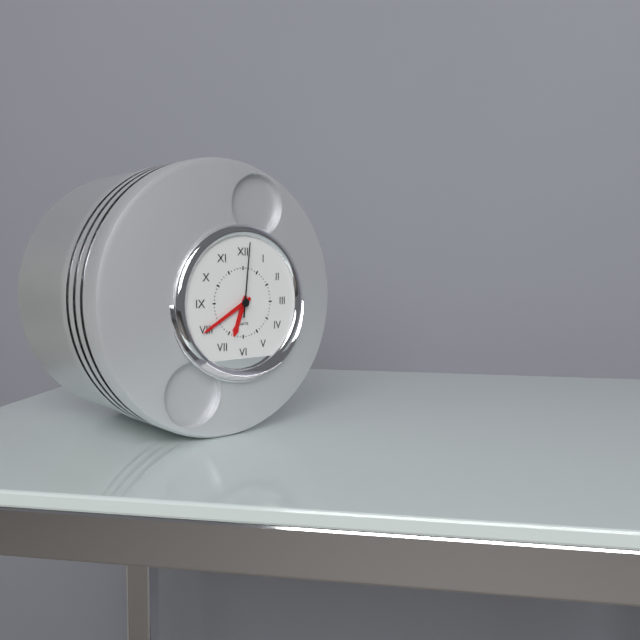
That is 6,40,01
